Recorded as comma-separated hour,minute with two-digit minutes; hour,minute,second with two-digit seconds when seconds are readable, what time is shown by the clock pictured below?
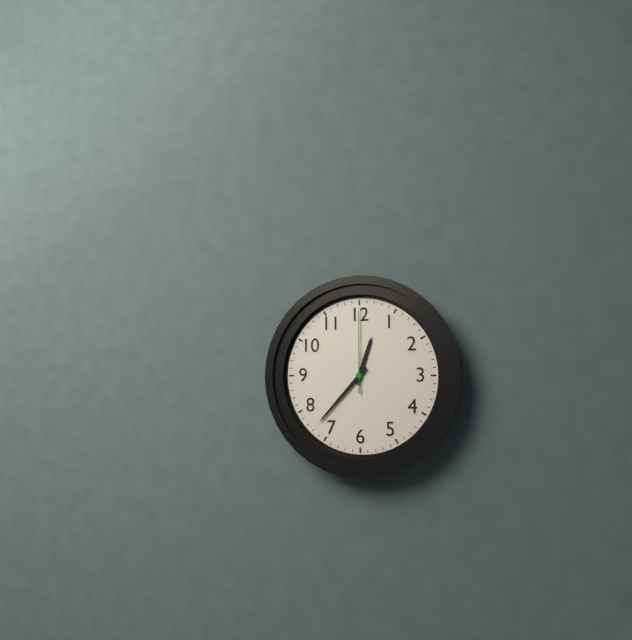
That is 12,37,00
